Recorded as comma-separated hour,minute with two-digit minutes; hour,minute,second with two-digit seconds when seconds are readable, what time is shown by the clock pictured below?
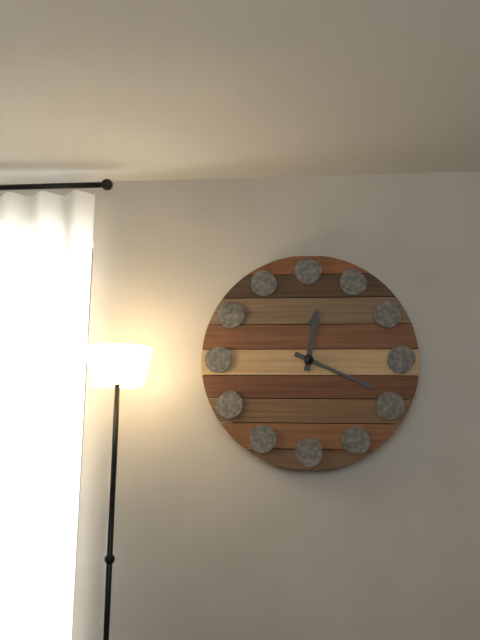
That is 12,19
